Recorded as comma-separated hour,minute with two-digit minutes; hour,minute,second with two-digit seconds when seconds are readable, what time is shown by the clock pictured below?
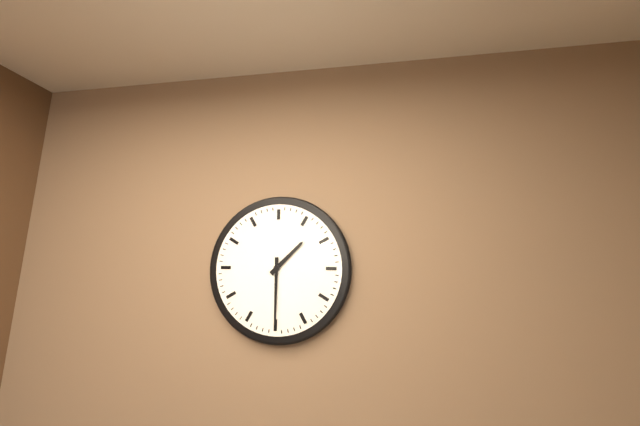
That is 1,30
